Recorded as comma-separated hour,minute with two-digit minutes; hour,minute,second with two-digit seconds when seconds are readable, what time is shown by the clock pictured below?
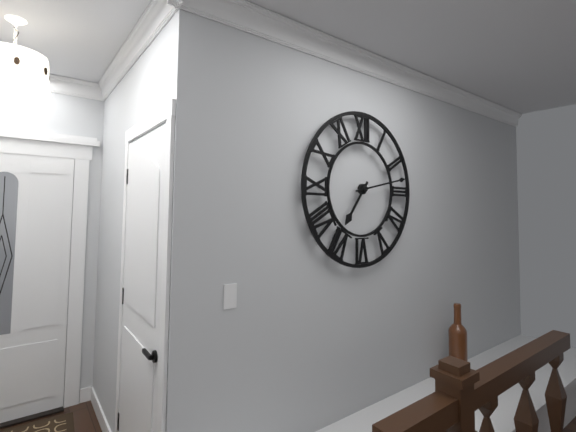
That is 7,13
